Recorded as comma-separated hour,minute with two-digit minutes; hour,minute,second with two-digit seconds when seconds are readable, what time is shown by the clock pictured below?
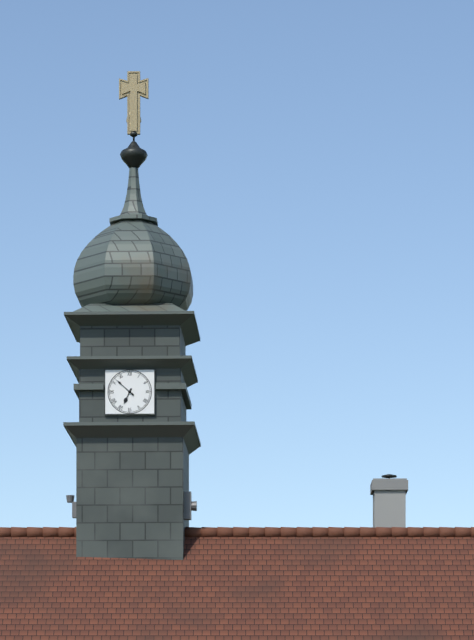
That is 6,52
